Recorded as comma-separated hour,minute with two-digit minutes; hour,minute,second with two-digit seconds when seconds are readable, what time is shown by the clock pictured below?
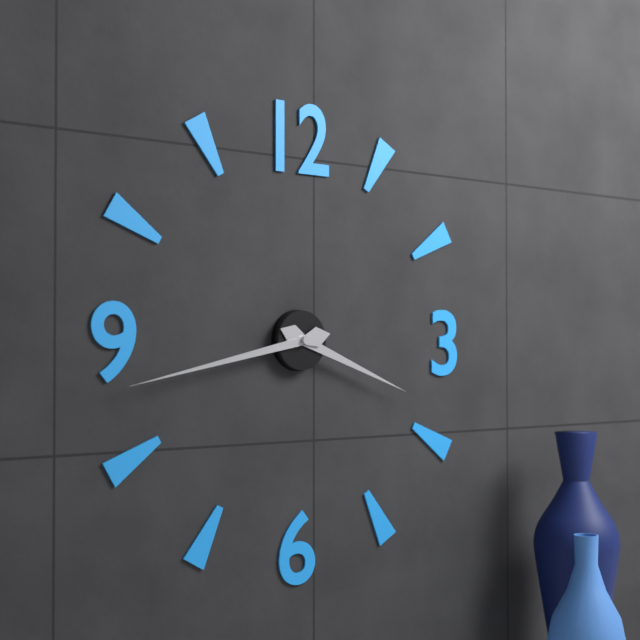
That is 3,43
